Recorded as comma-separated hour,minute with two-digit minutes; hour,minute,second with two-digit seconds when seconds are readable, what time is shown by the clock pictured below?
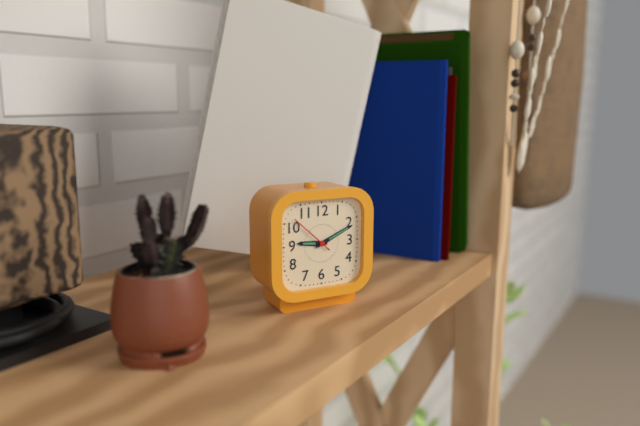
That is 9,11
